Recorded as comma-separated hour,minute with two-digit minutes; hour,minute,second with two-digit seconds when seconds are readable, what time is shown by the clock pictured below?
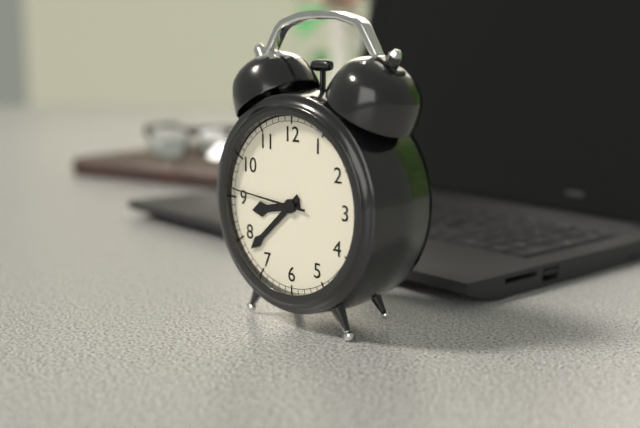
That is 8,38,46
